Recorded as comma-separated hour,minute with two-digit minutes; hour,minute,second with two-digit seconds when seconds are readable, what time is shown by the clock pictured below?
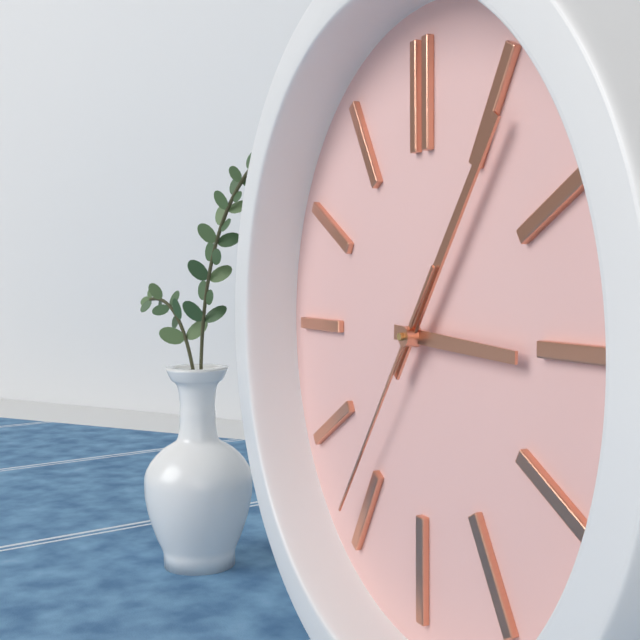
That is 3,06,36
